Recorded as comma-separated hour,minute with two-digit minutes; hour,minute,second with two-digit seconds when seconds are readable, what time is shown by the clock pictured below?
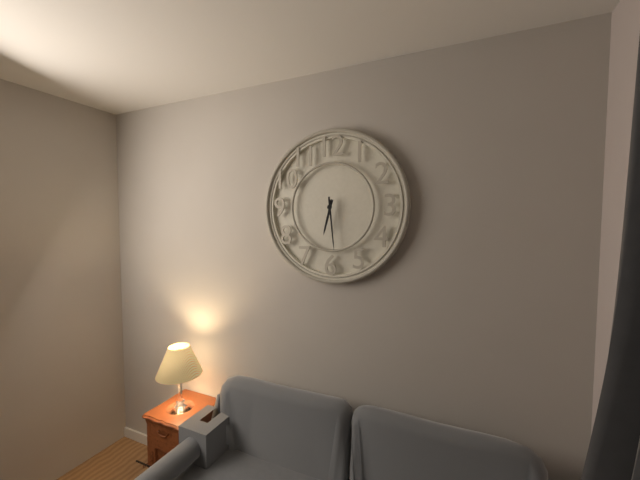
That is 6,29
